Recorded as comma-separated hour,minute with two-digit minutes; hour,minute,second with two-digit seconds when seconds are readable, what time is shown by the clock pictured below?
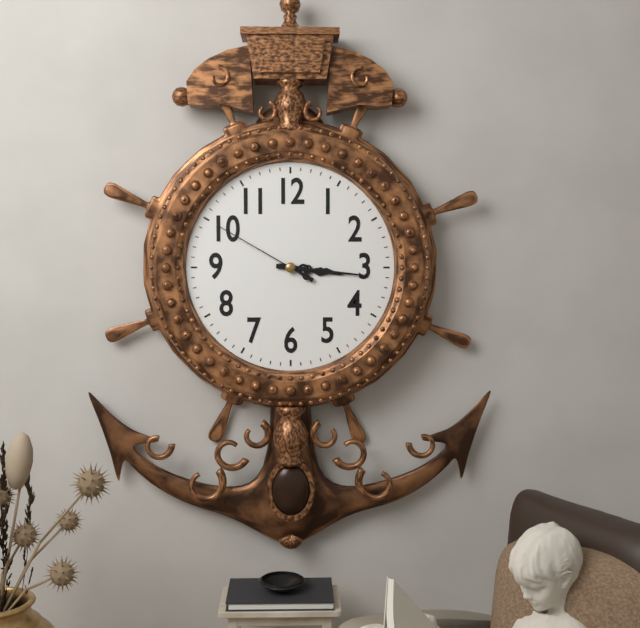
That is 3,16,50
